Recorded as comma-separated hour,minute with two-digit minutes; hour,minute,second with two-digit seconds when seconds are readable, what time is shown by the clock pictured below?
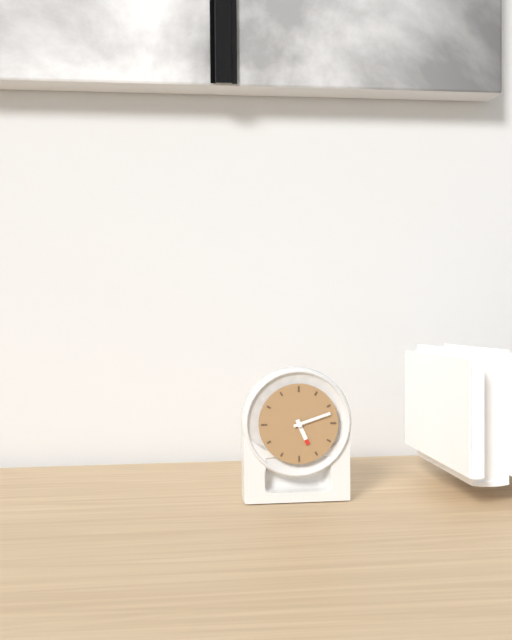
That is 5,12
